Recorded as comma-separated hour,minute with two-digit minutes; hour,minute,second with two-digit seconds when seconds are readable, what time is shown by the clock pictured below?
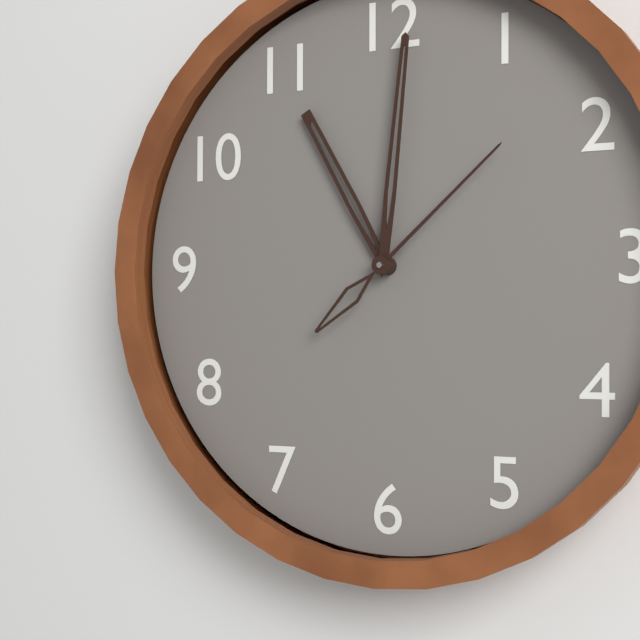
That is 11,01,08
